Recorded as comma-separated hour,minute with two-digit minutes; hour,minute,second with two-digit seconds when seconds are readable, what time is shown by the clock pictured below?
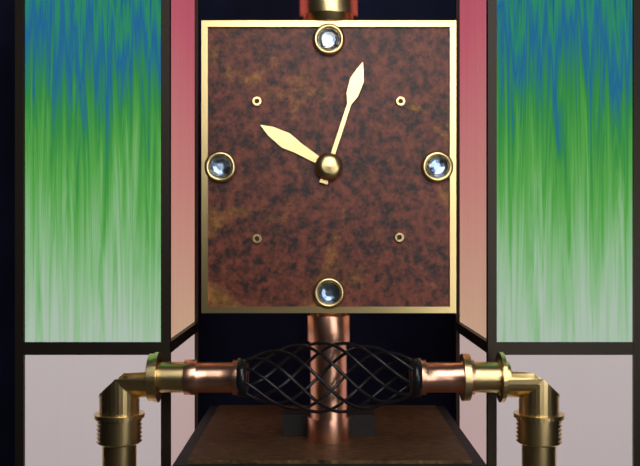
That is 10,03
